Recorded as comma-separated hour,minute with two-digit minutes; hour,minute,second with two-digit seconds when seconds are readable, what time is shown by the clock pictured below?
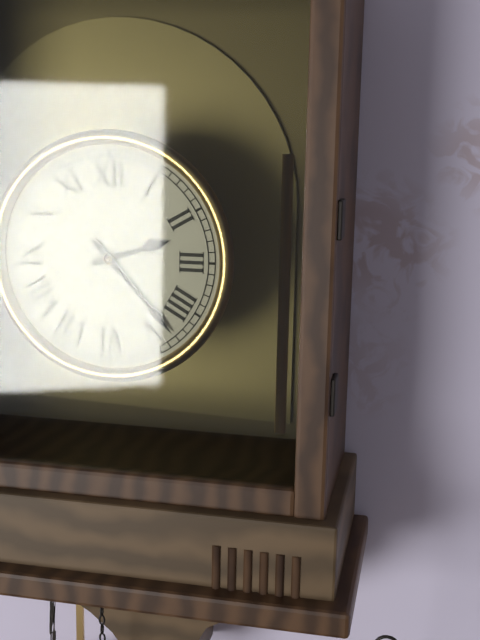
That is 2,23
